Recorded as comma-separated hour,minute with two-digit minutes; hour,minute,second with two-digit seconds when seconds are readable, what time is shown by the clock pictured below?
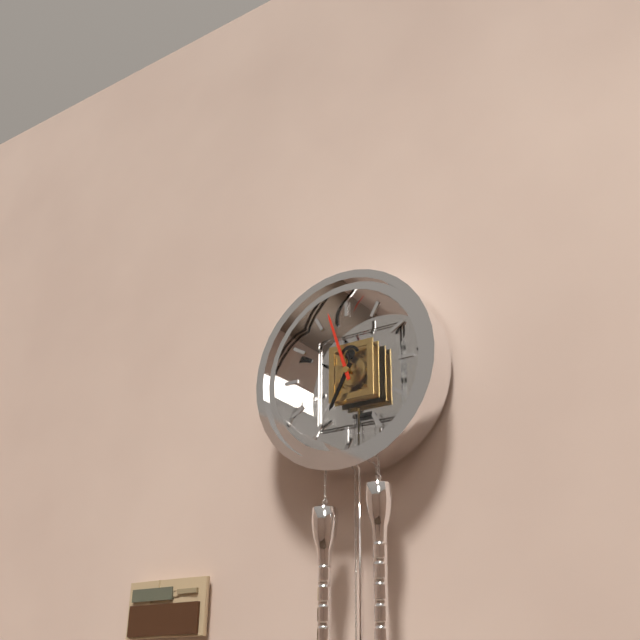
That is 6,57
